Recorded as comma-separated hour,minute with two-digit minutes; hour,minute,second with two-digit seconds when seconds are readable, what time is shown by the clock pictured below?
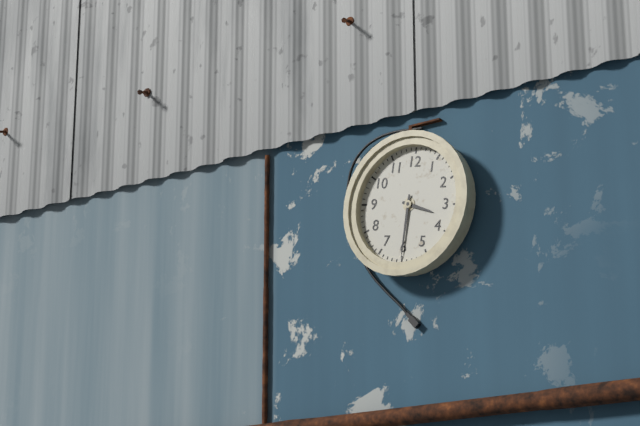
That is 3,30
